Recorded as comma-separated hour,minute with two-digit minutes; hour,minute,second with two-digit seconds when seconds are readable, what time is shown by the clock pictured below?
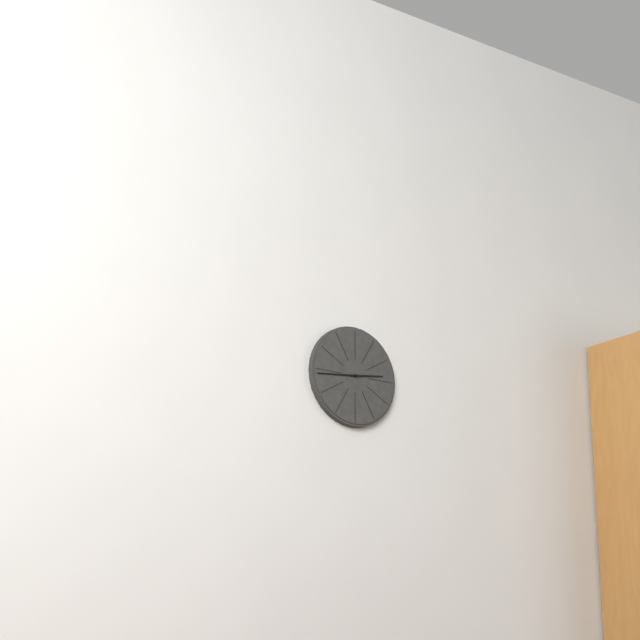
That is 2,44
